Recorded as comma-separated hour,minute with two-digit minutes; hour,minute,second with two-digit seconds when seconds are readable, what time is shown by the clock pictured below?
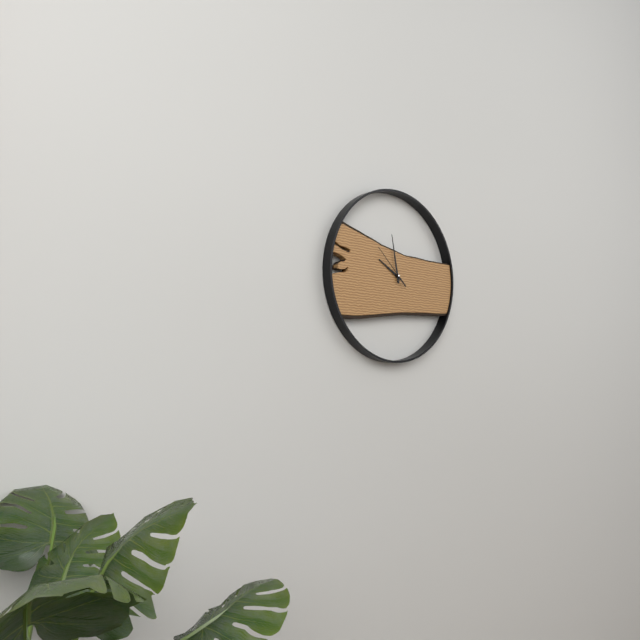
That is 9,58
